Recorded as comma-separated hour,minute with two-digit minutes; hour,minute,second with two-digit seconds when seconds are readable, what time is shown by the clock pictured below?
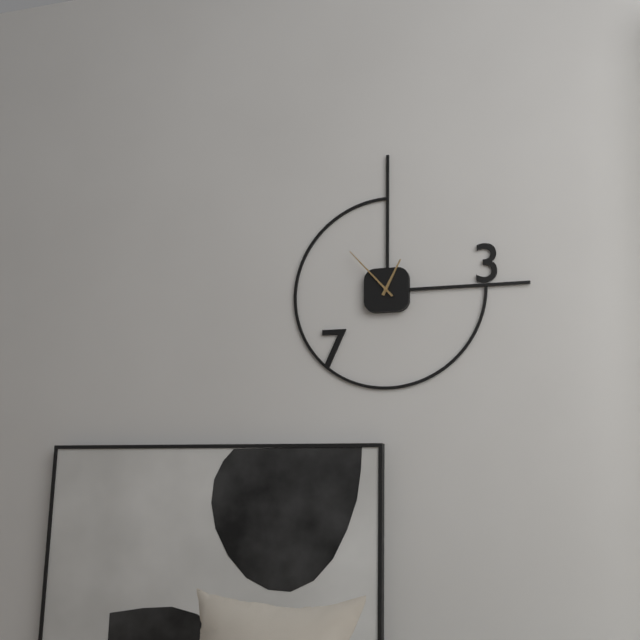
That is 12,53
